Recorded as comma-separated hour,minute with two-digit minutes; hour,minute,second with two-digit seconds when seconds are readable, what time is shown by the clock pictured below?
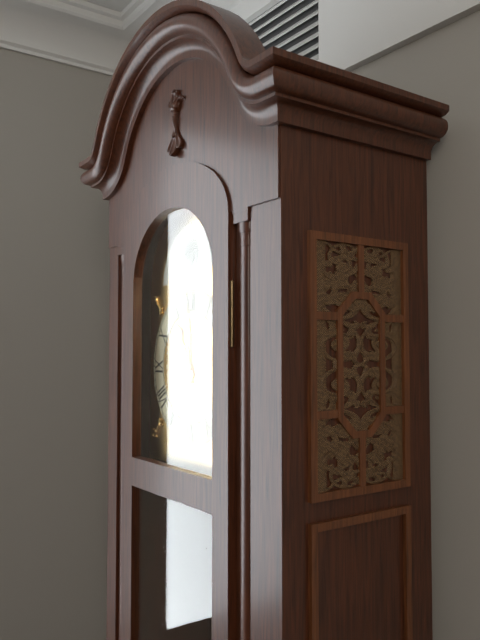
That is 10,59
